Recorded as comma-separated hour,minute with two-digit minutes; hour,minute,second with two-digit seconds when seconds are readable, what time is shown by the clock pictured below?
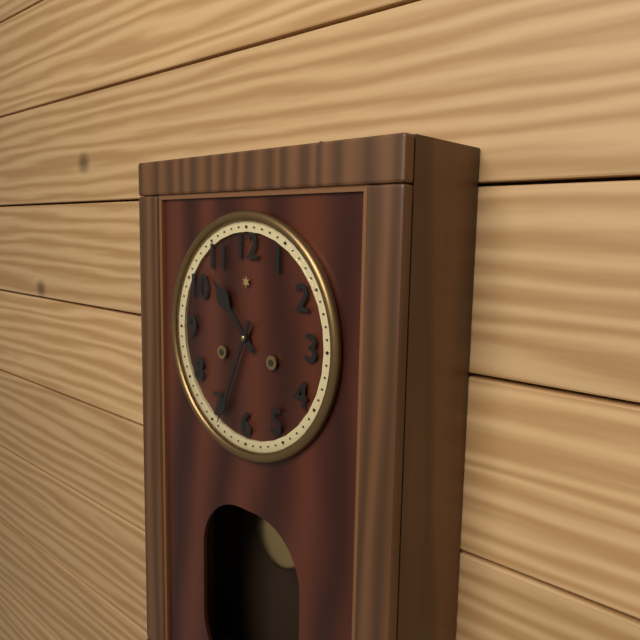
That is 10,34
